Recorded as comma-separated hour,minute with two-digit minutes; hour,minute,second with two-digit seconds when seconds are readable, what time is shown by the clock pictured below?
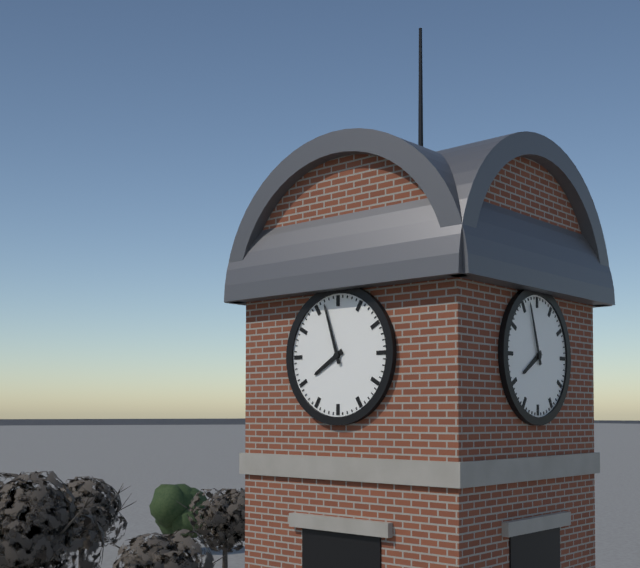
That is 7,57
